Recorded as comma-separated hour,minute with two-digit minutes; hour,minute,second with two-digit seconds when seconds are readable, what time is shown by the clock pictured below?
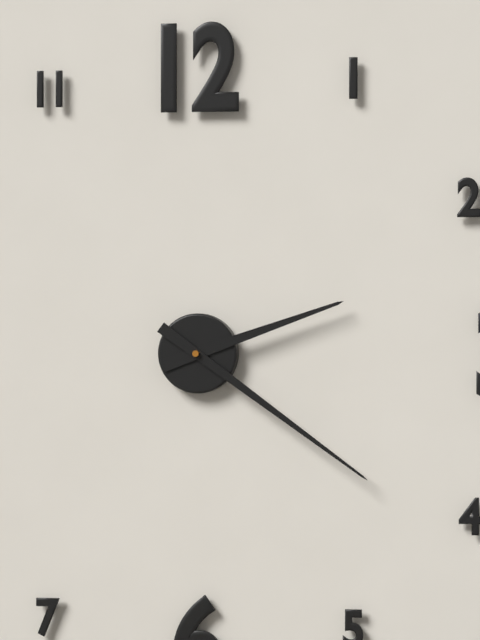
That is 2,21
